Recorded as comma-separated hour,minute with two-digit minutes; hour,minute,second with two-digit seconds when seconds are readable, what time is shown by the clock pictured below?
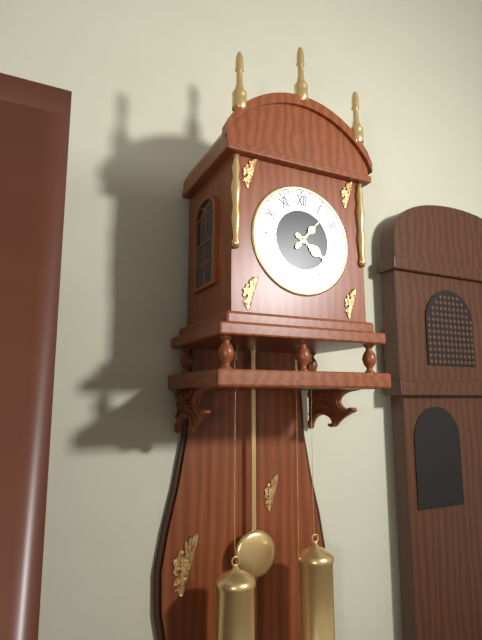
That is 4,07
